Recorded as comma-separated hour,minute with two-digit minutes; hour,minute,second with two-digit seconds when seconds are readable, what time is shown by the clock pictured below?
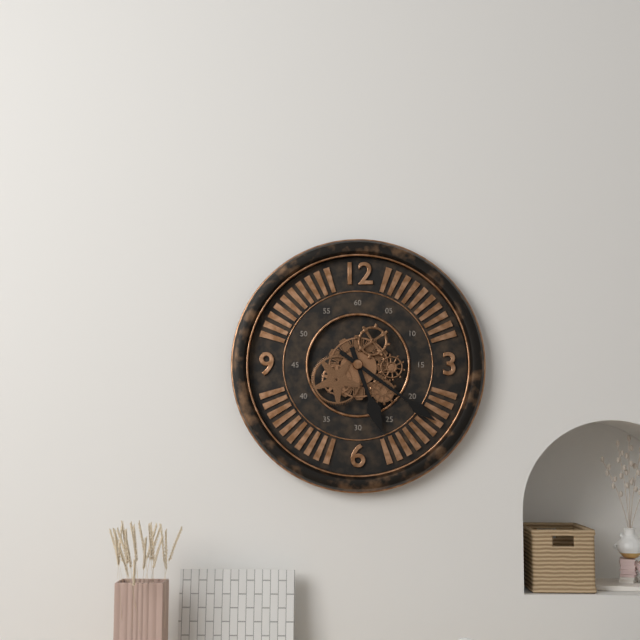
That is 5,21
